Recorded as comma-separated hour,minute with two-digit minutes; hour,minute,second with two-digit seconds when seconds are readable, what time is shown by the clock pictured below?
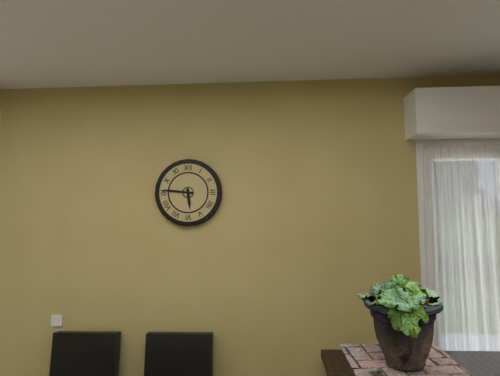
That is 5,46
